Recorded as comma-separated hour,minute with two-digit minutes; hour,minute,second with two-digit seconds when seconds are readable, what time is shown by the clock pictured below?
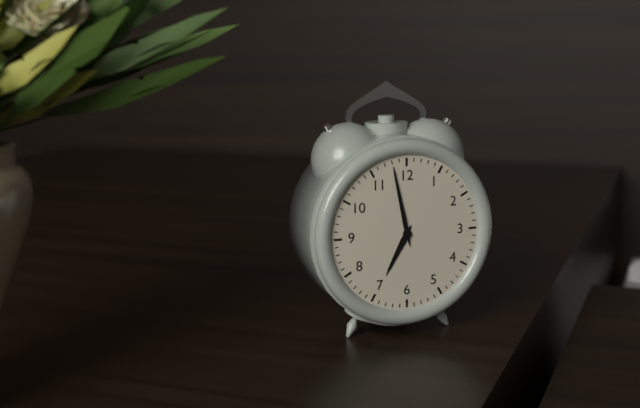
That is 6,58
